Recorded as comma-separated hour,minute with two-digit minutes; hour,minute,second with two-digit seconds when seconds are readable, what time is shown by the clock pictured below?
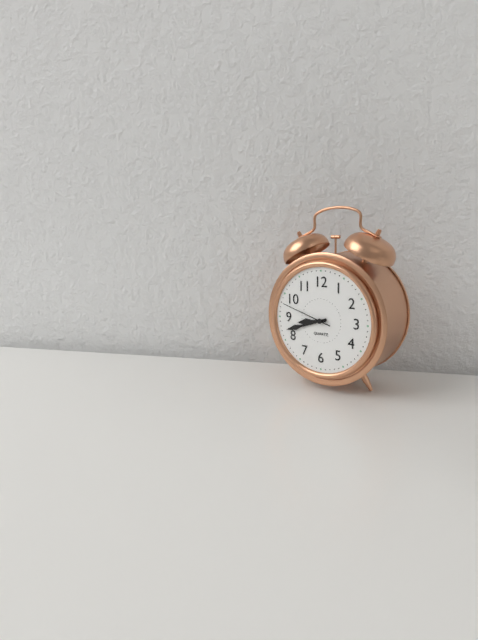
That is 8,42,48
